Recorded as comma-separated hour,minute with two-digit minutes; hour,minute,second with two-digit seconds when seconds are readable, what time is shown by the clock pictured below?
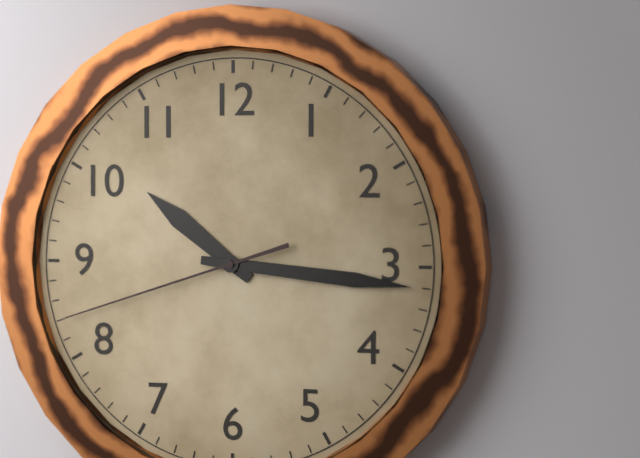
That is 10,16,42
